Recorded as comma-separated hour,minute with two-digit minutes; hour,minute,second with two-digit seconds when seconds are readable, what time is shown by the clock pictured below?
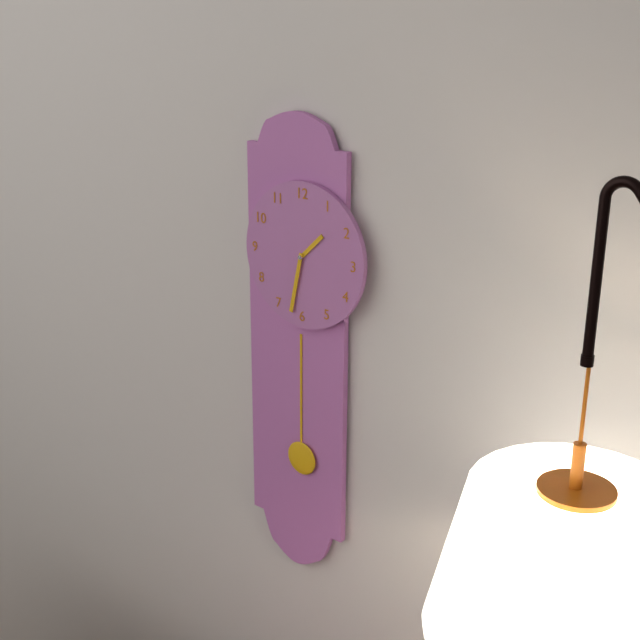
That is 1,32
